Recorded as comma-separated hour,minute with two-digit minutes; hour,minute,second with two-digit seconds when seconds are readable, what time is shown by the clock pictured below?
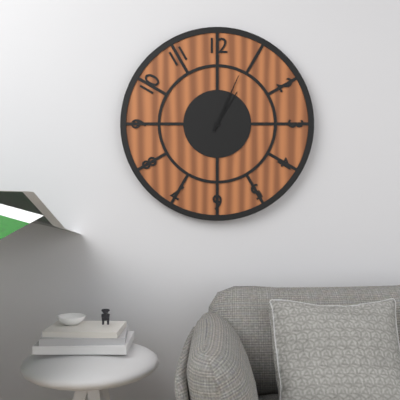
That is 1,04
